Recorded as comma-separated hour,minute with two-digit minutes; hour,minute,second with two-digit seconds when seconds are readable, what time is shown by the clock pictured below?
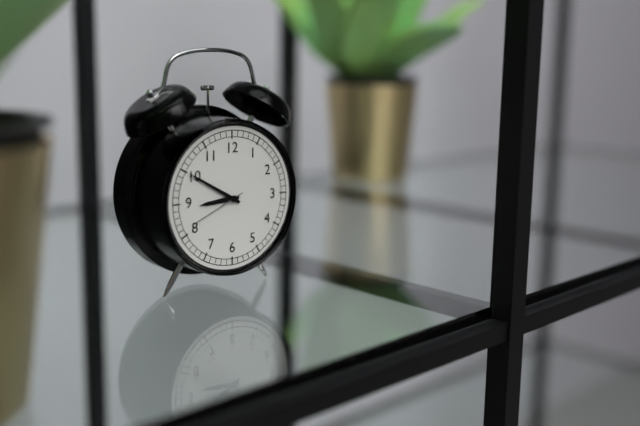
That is 8,50,41
